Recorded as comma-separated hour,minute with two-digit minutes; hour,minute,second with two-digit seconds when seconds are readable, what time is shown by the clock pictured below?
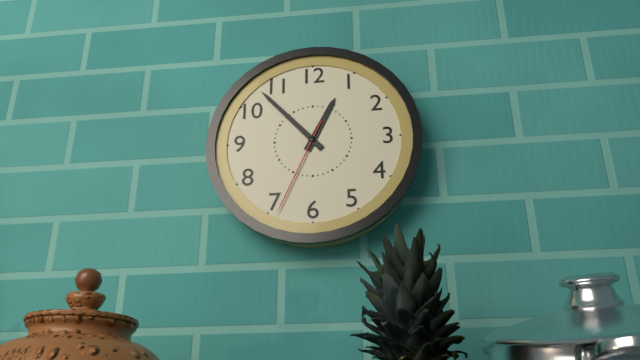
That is 12,53,34
